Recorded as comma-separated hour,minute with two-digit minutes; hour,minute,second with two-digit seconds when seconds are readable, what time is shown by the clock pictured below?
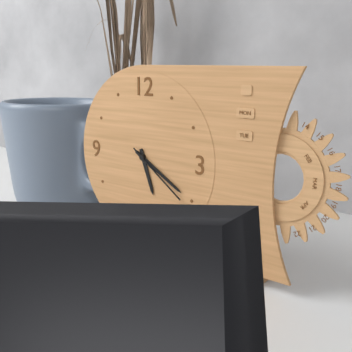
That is 5,20,21
